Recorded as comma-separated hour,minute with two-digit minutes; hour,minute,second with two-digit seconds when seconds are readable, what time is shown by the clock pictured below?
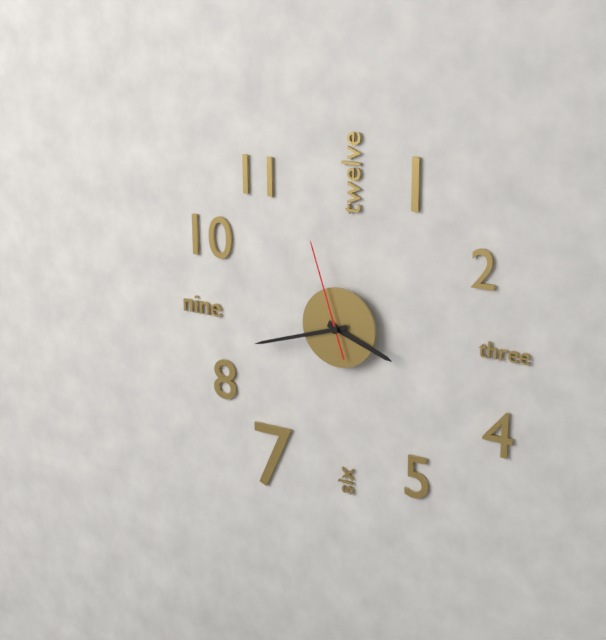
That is 3,42,57
